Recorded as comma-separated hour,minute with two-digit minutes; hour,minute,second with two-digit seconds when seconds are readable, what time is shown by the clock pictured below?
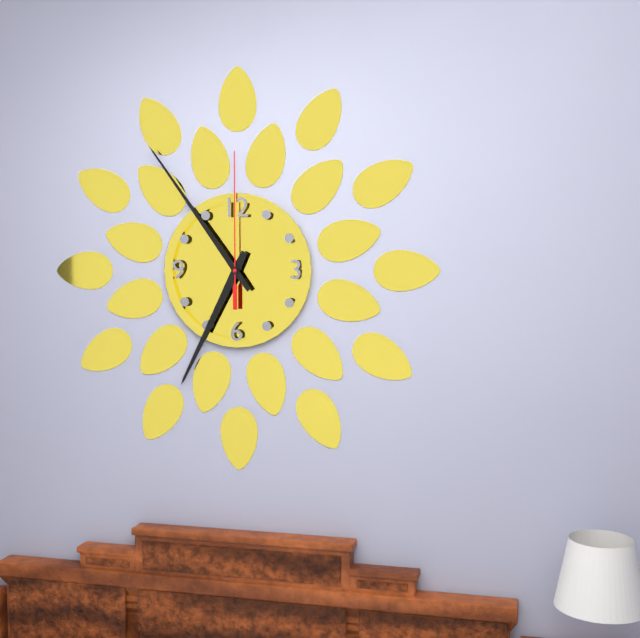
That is 6,54,00
